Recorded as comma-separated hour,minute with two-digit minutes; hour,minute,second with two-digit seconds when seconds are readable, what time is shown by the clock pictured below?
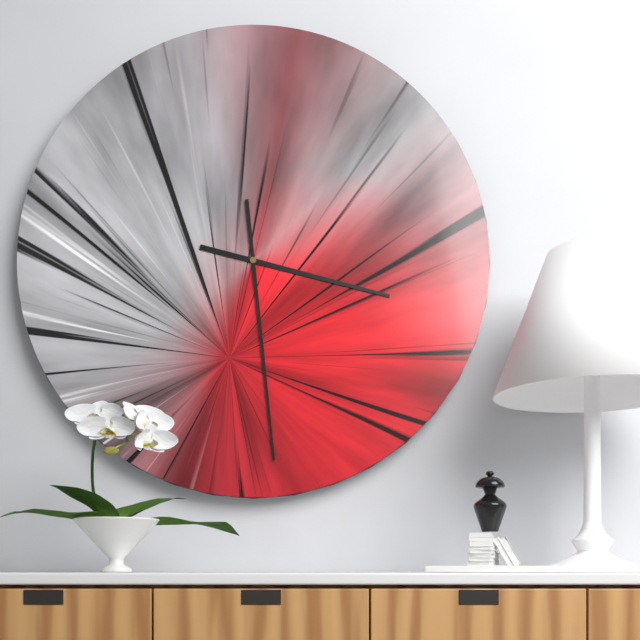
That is 3,29
